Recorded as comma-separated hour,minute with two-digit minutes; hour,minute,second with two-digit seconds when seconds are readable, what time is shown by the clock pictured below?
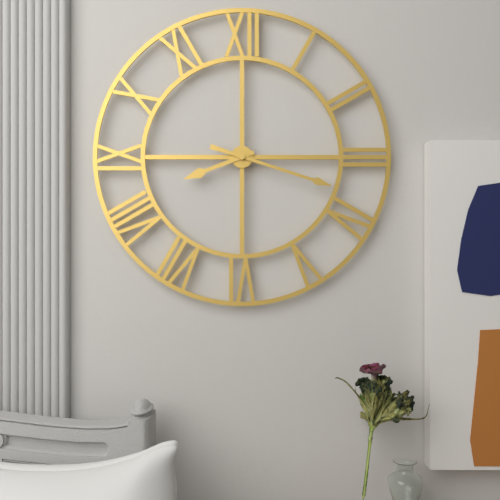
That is 8,18
